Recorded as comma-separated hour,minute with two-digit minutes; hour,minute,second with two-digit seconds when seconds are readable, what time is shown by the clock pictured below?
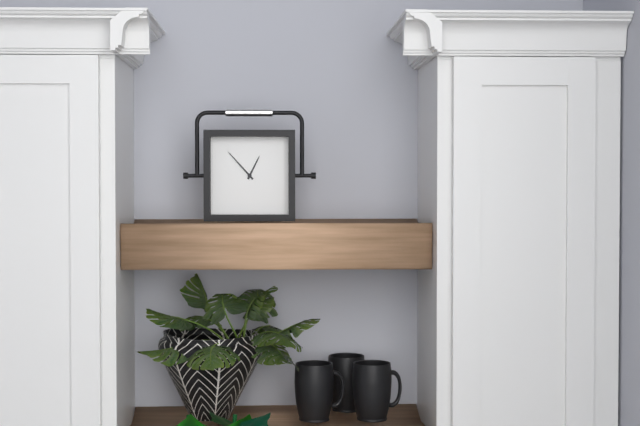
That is 12,53
